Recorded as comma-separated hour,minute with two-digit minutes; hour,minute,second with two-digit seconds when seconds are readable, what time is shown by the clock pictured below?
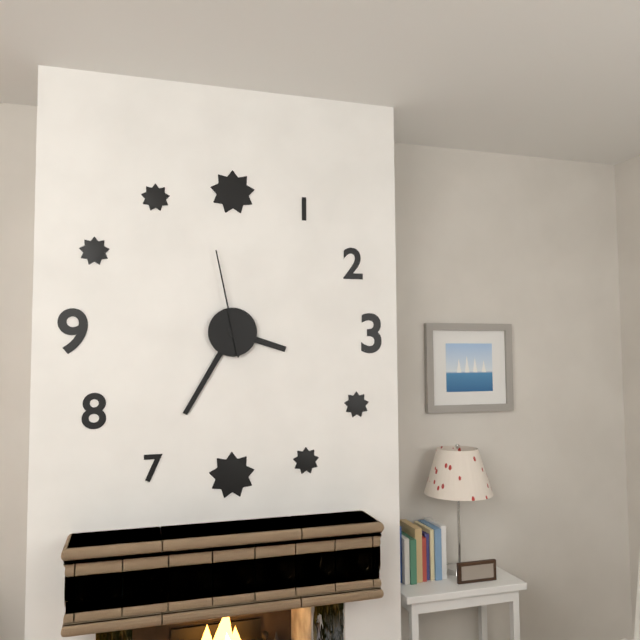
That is 3,35,58
